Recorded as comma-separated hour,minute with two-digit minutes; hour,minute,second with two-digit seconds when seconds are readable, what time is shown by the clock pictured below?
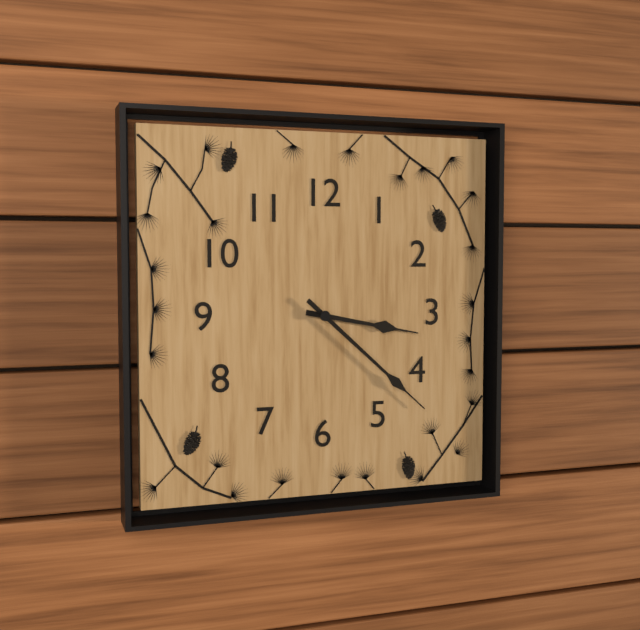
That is 3,22
